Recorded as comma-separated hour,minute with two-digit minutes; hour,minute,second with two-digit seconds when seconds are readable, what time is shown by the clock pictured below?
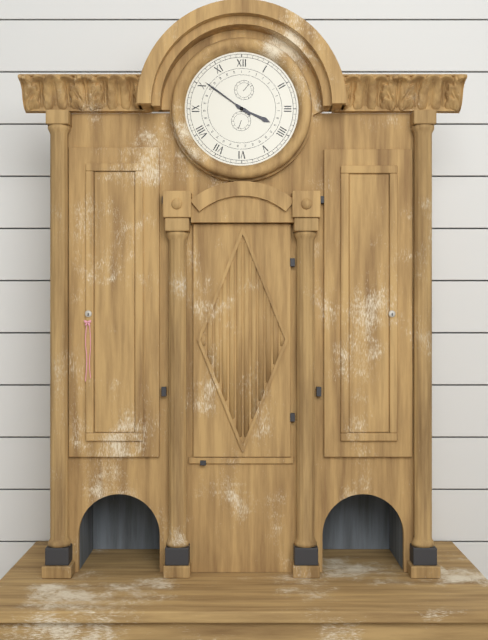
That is 3,51
